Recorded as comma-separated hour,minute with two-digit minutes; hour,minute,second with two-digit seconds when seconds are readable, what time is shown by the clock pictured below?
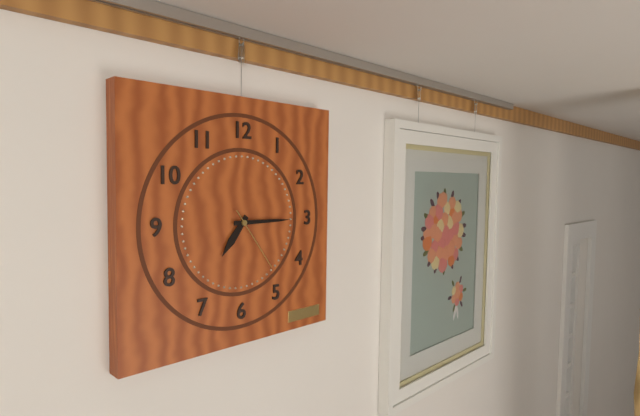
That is 7,15,24
